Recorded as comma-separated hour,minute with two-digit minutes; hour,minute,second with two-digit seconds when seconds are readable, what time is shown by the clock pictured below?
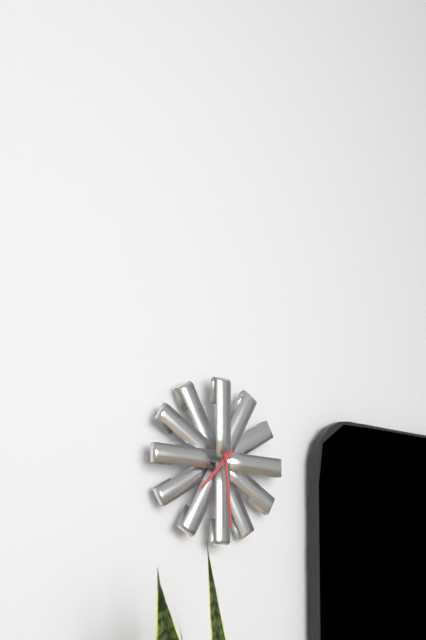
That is 7,29
